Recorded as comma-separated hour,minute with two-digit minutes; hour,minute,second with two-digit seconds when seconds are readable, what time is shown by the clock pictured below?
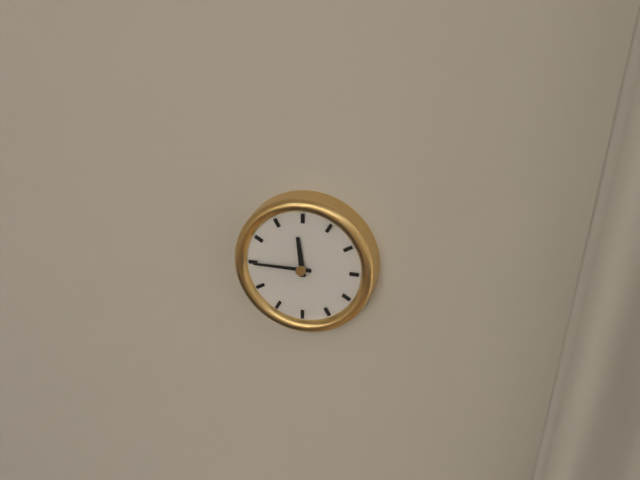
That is 11,45
